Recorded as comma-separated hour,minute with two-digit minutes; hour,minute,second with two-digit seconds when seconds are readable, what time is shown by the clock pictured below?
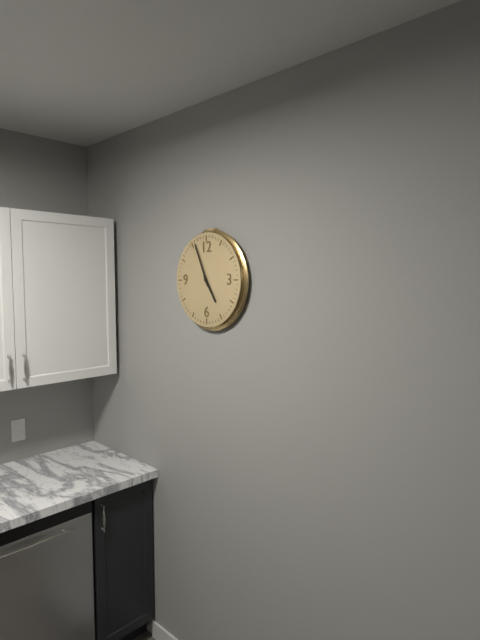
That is 4,56
